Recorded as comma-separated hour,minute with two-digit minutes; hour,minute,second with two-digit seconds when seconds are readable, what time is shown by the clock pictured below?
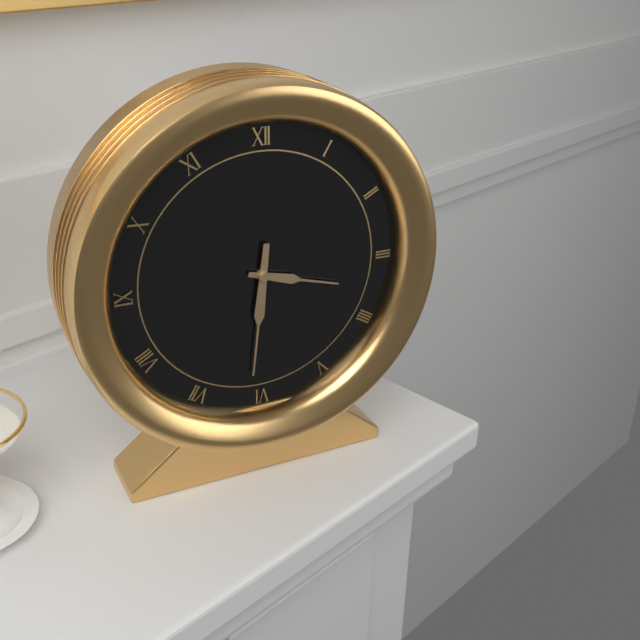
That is 3,31
